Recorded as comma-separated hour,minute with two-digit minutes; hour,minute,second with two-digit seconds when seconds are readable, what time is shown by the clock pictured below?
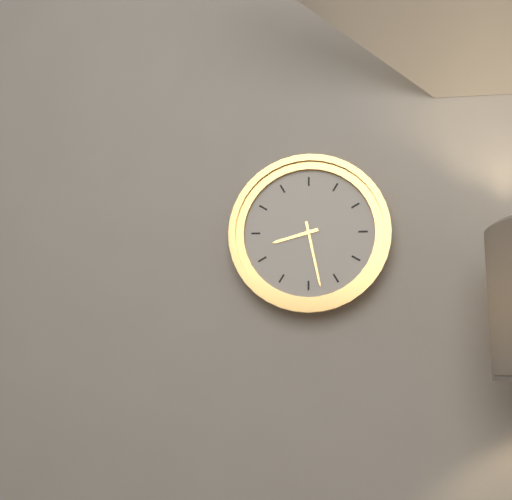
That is 8,28
